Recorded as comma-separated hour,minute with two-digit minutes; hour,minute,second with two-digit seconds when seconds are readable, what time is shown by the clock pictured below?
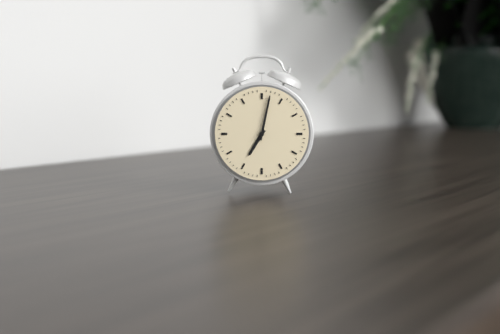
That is 7,02
